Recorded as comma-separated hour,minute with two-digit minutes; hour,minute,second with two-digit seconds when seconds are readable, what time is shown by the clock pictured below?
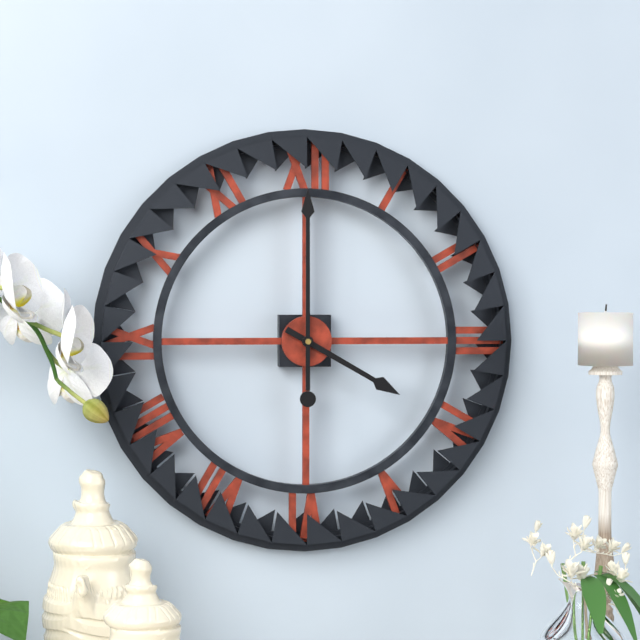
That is 4,00
